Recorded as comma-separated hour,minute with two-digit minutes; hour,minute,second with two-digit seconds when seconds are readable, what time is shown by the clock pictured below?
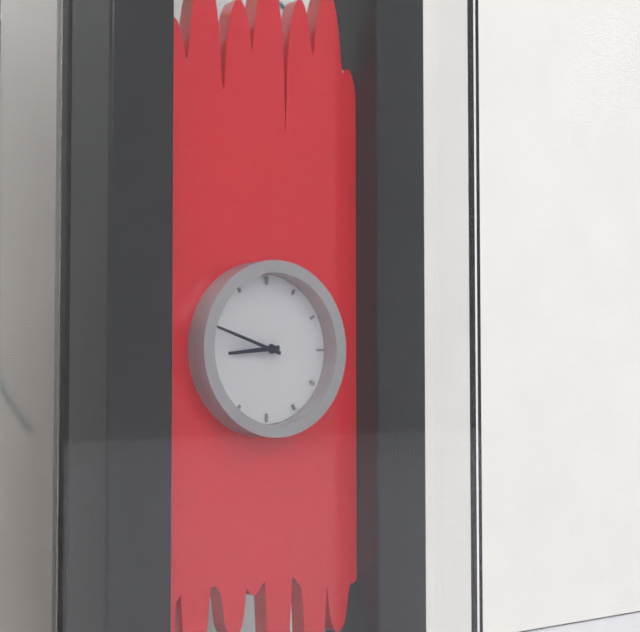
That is 8,48
